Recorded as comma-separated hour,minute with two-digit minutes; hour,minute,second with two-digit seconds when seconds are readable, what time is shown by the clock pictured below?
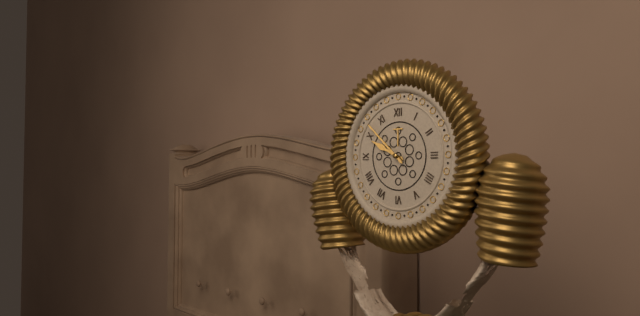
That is 9,52
